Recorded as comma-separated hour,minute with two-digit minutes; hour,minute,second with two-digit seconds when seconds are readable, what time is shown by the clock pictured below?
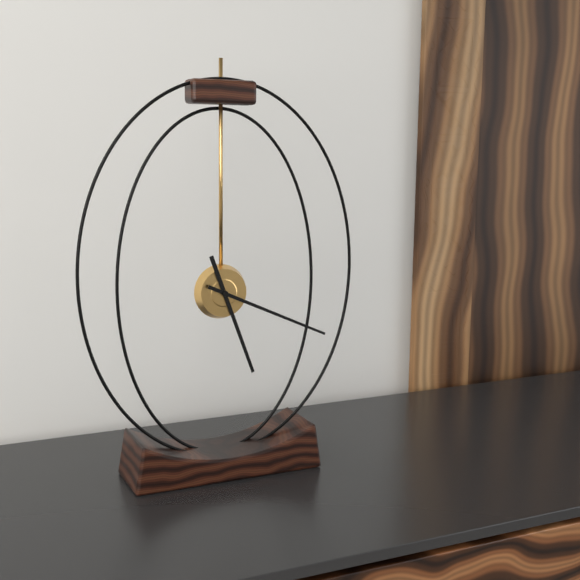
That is 5,19
